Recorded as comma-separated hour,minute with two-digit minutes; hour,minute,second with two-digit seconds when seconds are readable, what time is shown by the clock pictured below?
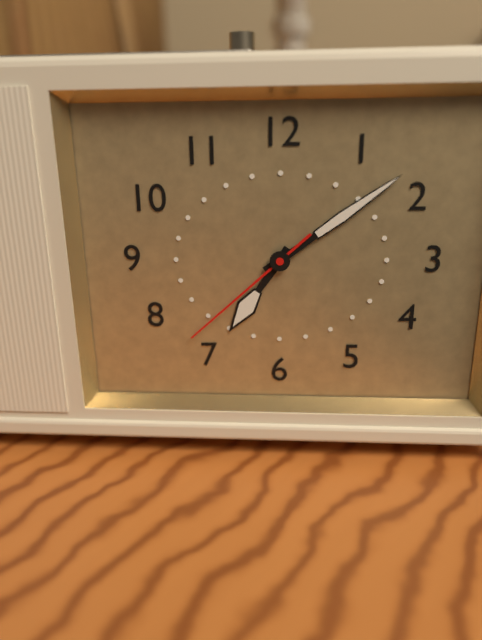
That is 7,09,38
